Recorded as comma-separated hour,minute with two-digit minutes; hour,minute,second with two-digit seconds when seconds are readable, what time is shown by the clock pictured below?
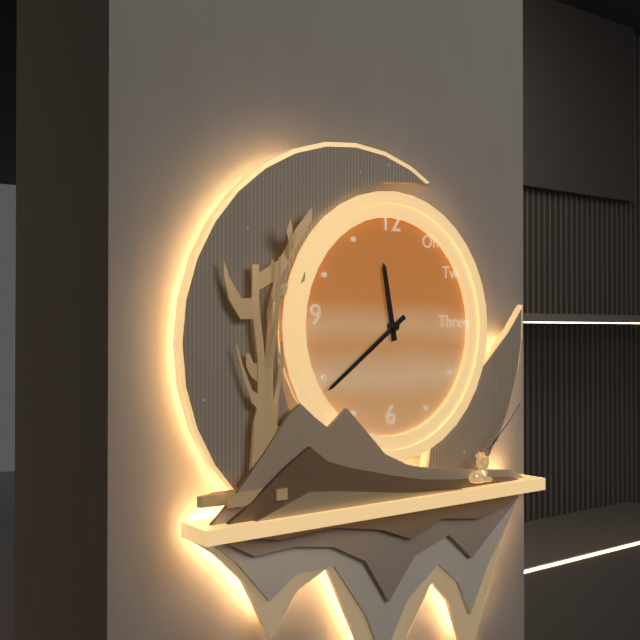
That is 11,39
